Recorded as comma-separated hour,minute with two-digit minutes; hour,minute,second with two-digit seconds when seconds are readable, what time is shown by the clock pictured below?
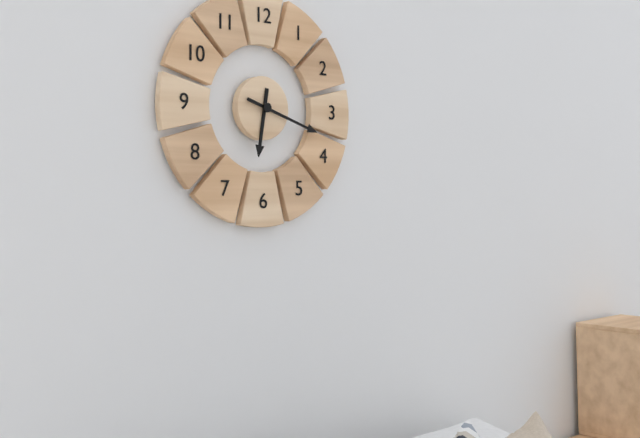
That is 6,18
